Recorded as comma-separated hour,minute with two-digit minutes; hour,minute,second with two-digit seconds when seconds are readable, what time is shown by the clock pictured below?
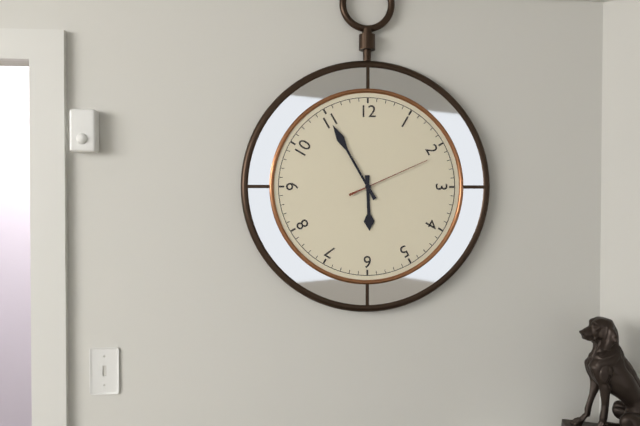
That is 5,55,11
